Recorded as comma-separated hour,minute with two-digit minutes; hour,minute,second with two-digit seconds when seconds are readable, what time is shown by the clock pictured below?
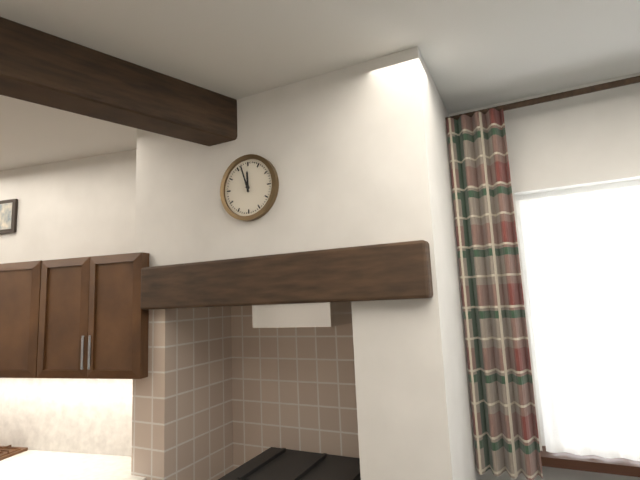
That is 11,57
